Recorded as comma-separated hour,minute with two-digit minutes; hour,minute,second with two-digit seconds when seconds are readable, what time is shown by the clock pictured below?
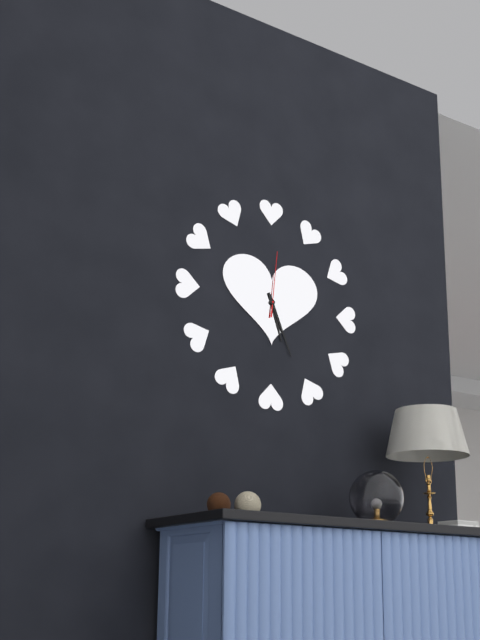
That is 5,26,01
